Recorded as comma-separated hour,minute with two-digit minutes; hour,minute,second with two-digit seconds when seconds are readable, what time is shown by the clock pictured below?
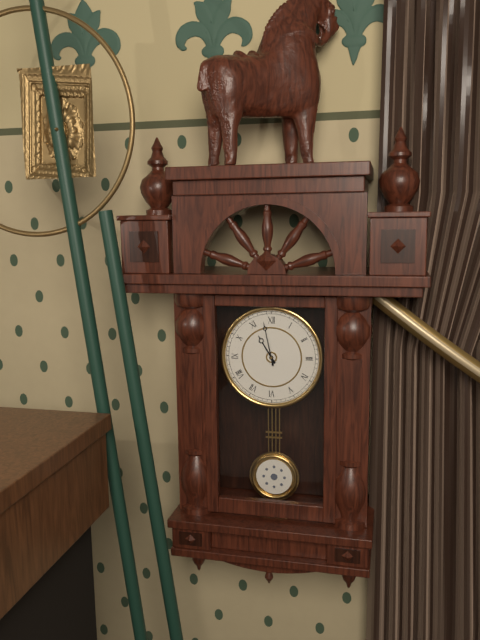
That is 10,58
